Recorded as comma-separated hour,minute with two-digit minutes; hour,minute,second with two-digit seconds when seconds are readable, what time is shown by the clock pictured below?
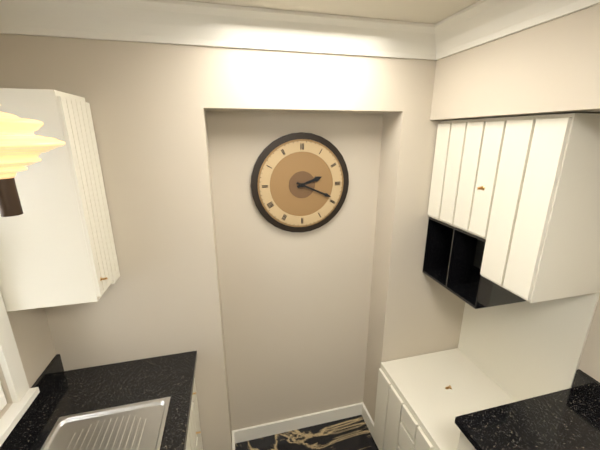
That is 2,19
